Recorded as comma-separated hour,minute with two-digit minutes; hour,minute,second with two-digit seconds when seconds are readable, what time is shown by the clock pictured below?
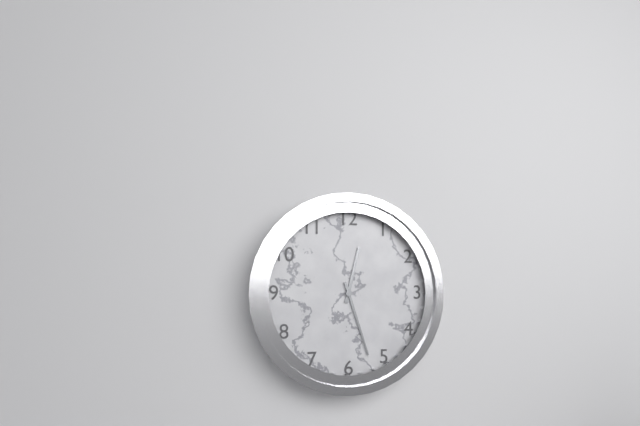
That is 12,27
